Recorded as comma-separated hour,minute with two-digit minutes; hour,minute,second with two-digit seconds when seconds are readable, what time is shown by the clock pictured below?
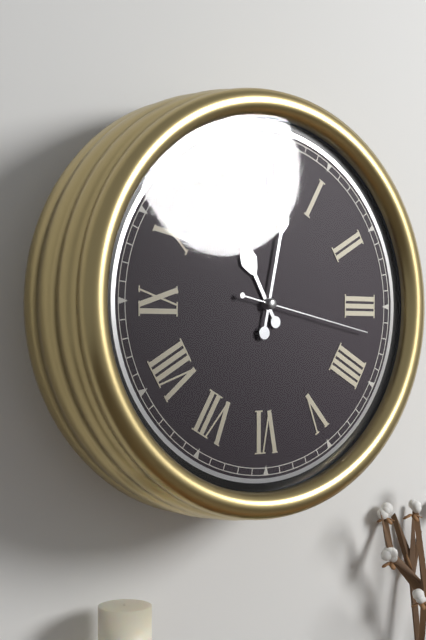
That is 11,02,17
